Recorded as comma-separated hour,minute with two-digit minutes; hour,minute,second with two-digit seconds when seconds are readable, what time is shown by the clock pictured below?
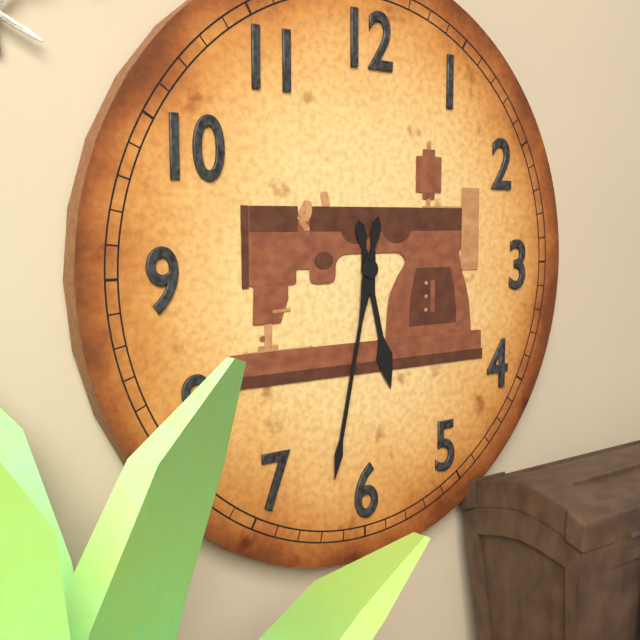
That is 5,32
